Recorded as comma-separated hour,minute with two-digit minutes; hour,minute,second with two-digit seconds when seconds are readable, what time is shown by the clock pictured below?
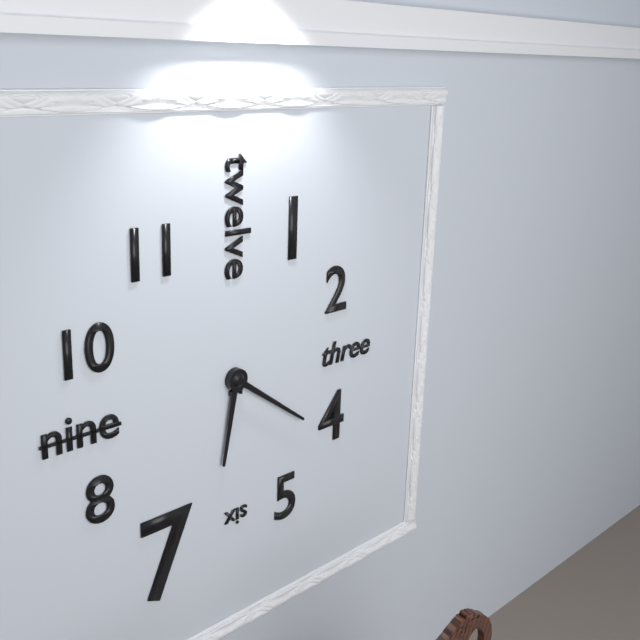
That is 6,21
